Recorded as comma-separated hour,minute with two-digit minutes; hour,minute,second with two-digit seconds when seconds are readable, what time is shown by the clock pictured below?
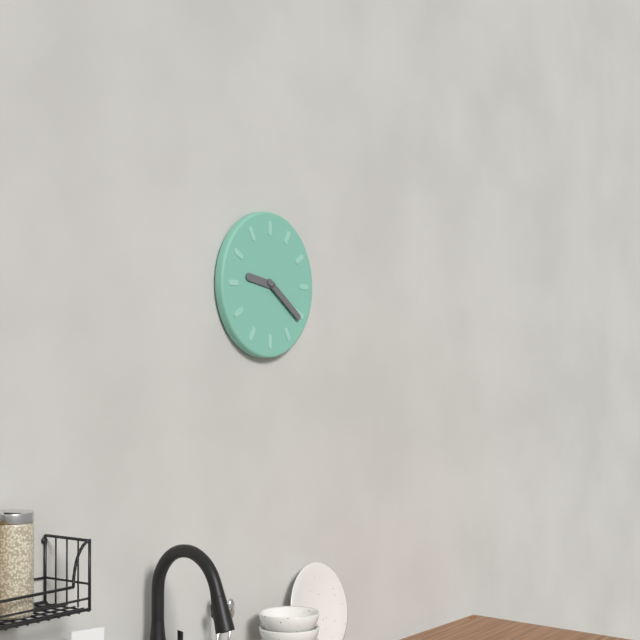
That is 9,21
